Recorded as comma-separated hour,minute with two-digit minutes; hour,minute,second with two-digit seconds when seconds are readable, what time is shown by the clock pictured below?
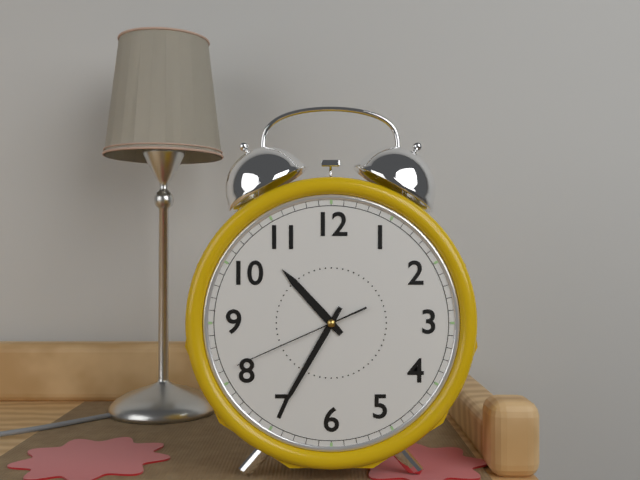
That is 10,35,41
